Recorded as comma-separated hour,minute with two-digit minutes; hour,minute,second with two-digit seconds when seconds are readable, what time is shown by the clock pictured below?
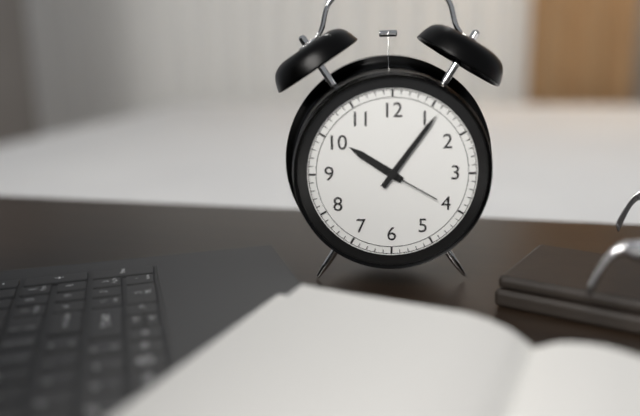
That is 10,06,20
